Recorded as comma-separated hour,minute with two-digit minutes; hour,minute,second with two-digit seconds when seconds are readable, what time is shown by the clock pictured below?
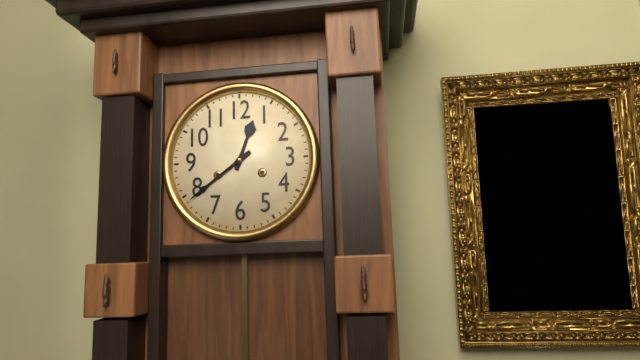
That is 12,39
